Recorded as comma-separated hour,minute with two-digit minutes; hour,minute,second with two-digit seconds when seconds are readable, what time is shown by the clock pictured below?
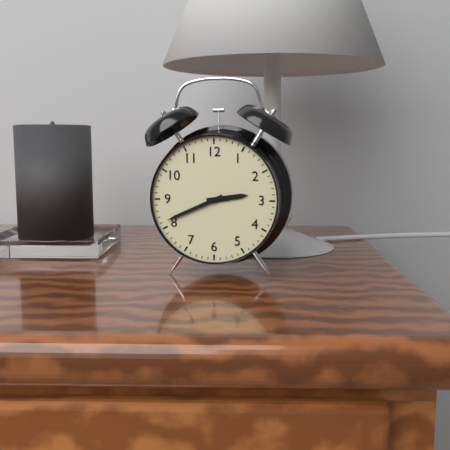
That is 2,41
